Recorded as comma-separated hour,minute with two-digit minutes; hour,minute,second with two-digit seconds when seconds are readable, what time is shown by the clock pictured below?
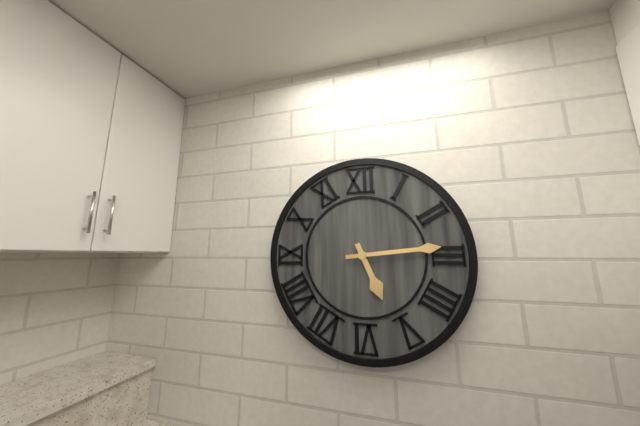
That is 5,14
